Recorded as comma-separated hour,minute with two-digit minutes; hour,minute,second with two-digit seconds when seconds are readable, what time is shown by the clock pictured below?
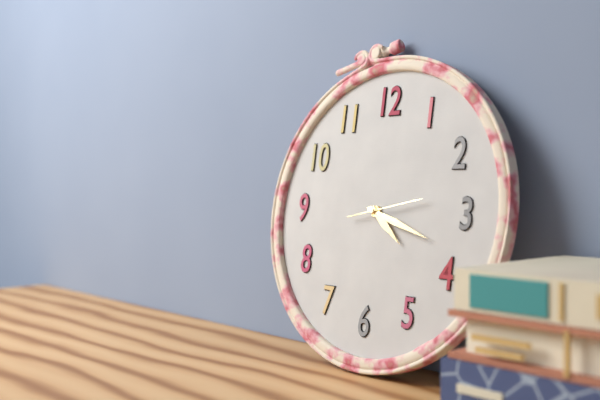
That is 4,18,13
